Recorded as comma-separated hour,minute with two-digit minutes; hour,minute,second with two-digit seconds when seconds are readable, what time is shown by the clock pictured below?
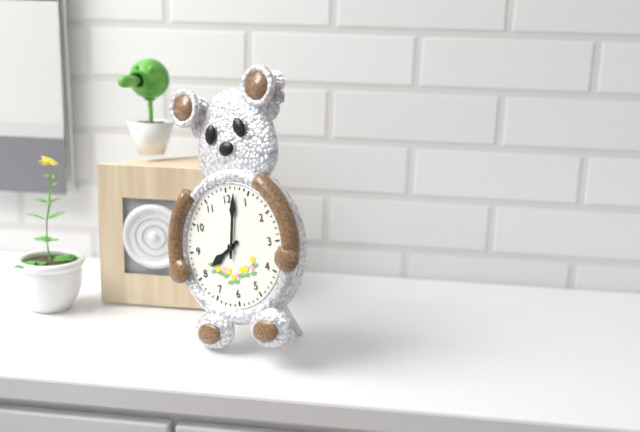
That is 8,02
